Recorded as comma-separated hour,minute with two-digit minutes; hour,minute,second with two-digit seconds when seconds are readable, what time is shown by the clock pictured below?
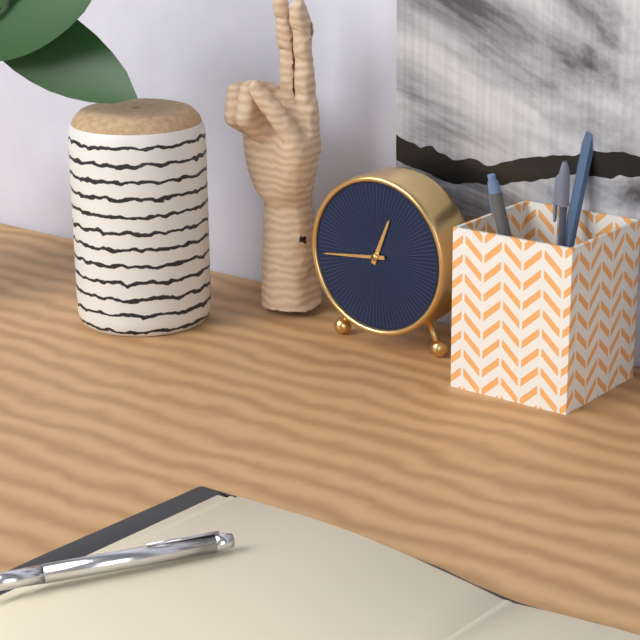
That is 12,44
